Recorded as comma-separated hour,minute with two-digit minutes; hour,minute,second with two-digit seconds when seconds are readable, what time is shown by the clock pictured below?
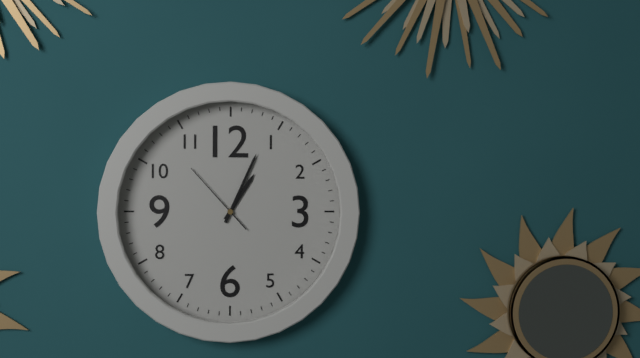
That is 1,04,53
